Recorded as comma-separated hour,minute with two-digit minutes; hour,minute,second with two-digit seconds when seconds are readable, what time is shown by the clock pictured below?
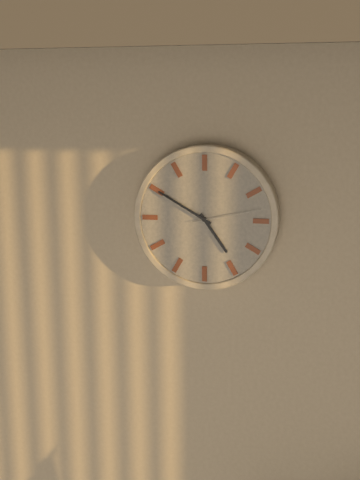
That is 4,50,13
